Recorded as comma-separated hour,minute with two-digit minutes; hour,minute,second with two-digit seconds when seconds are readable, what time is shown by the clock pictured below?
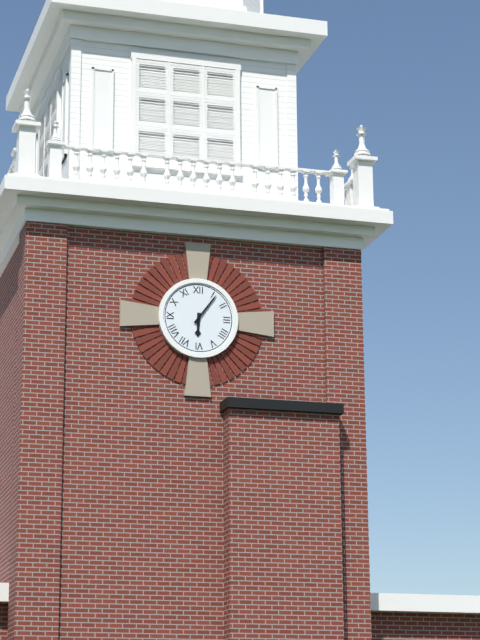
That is 6,06
